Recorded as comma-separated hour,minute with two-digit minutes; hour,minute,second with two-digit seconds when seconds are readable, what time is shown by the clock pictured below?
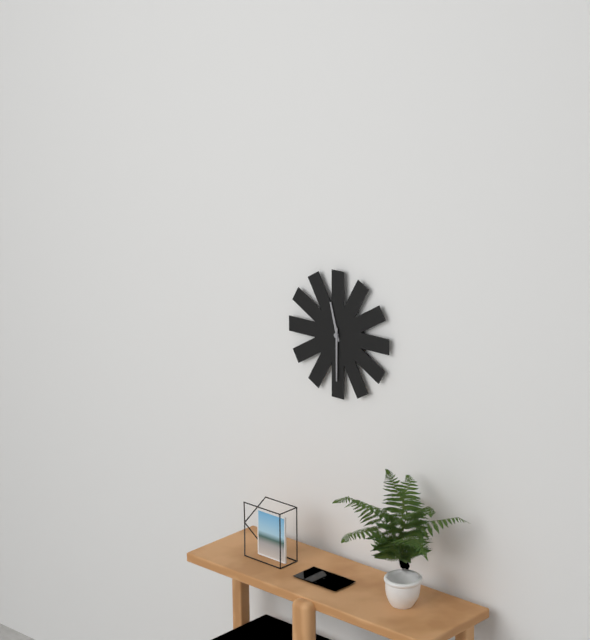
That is 11,30
